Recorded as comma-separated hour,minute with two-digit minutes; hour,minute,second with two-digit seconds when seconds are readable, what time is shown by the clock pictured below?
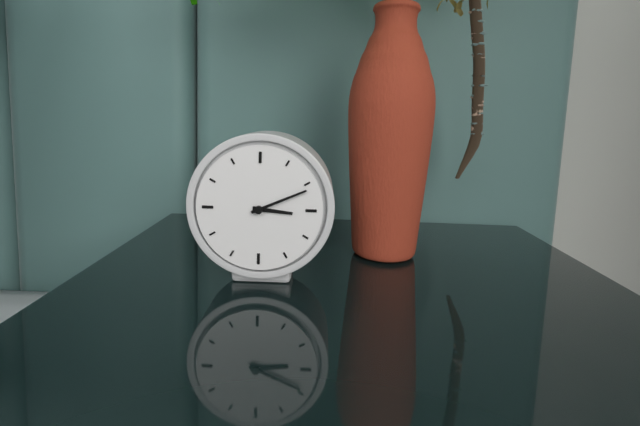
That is 3,11
